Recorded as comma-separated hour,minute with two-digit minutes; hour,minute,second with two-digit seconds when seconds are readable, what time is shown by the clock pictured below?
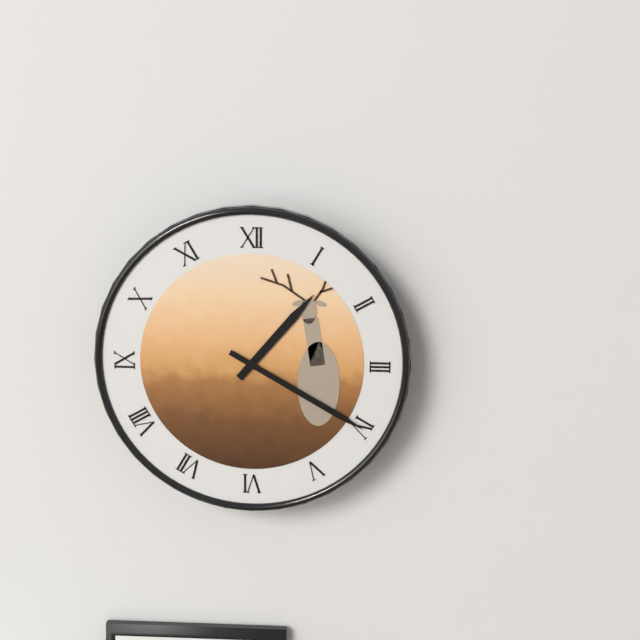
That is 1,20
